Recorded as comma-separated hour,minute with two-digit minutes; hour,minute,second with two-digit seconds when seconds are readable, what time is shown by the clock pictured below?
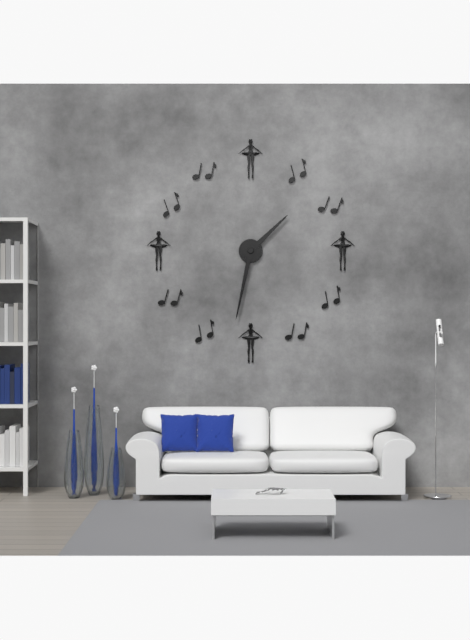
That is 1,32
